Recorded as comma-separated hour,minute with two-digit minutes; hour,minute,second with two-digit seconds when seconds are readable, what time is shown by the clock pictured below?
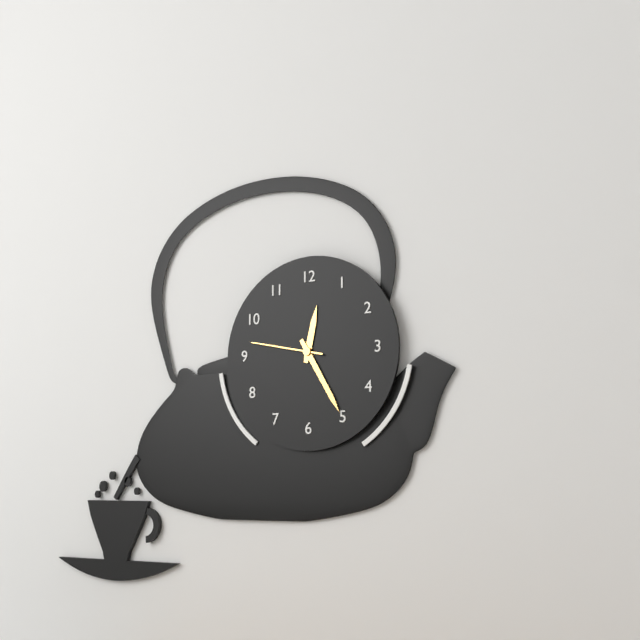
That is 12,25,47
